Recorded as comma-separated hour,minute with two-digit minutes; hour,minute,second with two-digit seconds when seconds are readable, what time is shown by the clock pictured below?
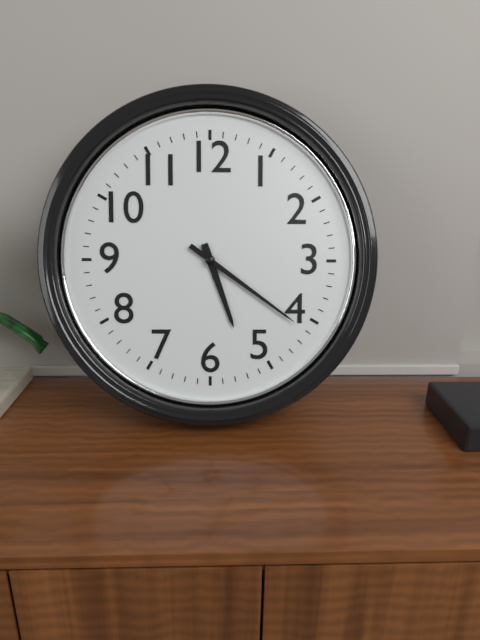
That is 5,21
